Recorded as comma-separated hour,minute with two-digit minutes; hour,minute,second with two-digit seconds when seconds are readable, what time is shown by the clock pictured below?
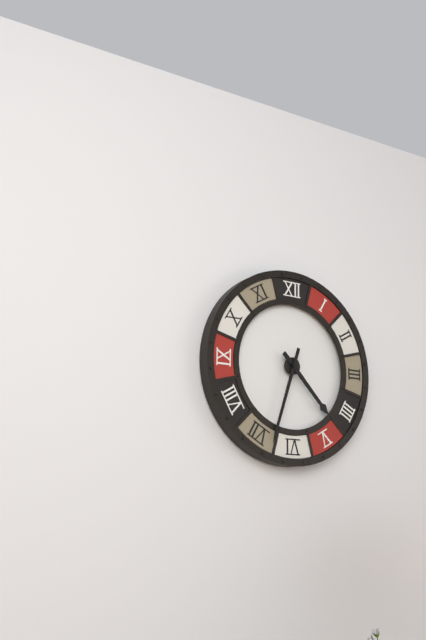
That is 4,33
